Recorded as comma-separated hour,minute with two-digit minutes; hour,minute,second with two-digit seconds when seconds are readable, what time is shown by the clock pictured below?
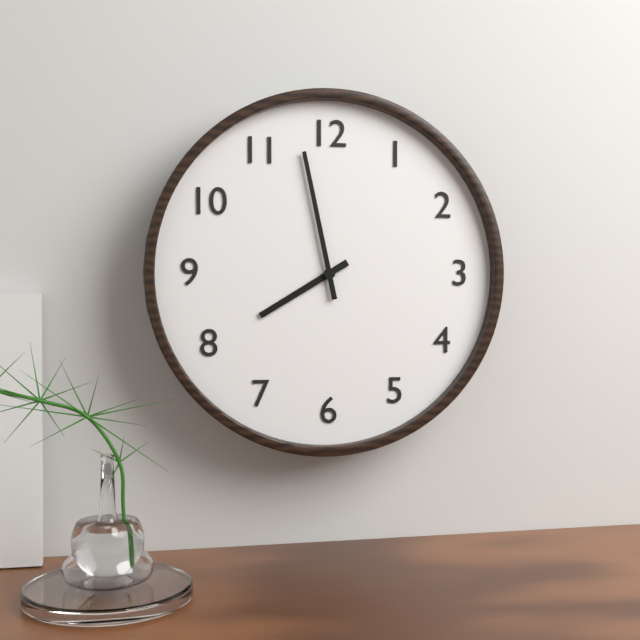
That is 7,58
